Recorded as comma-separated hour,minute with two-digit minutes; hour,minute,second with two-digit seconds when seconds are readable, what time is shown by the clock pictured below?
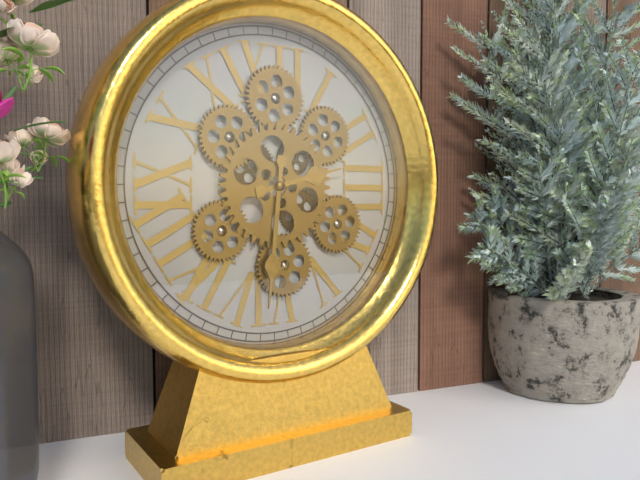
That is 2,31
